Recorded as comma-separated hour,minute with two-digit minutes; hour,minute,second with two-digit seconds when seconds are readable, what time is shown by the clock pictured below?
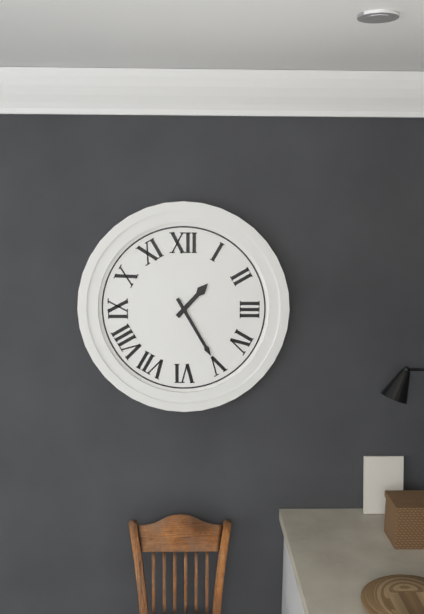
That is 1,25
